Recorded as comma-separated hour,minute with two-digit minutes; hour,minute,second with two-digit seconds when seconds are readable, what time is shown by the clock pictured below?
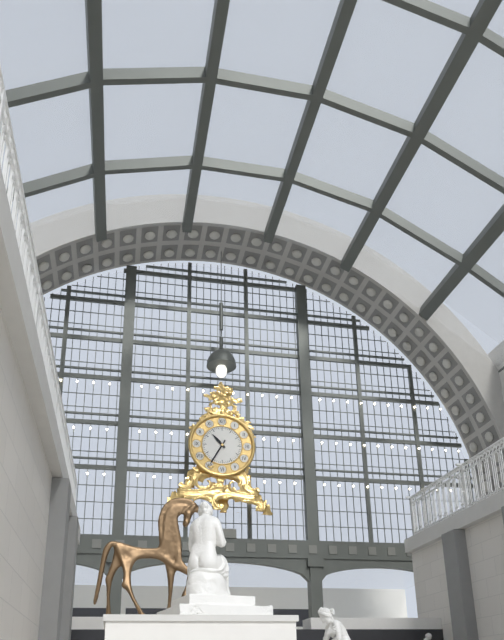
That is 10,35
